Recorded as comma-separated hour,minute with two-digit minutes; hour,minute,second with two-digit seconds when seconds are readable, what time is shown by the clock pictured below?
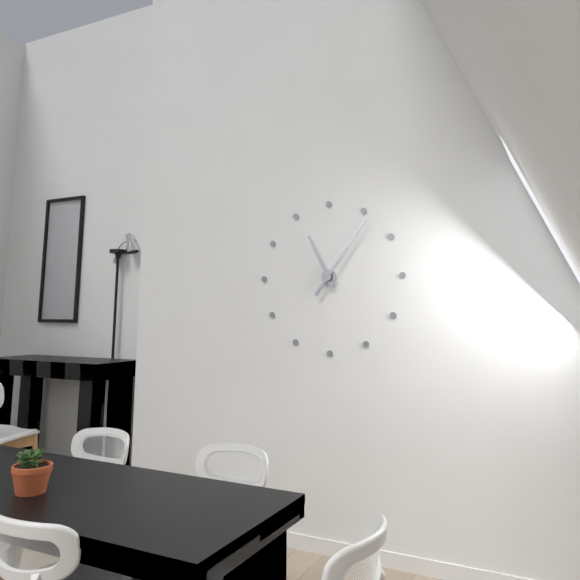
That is 11,06
